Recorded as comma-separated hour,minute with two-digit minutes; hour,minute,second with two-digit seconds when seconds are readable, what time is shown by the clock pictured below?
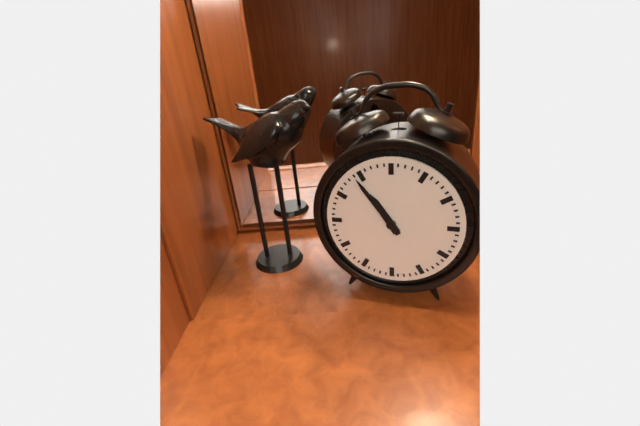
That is 10,54
